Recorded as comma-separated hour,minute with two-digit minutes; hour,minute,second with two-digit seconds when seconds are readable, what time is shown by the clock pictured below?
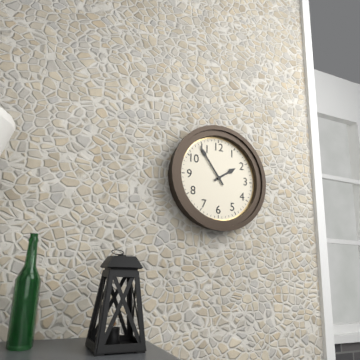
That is 1,54
